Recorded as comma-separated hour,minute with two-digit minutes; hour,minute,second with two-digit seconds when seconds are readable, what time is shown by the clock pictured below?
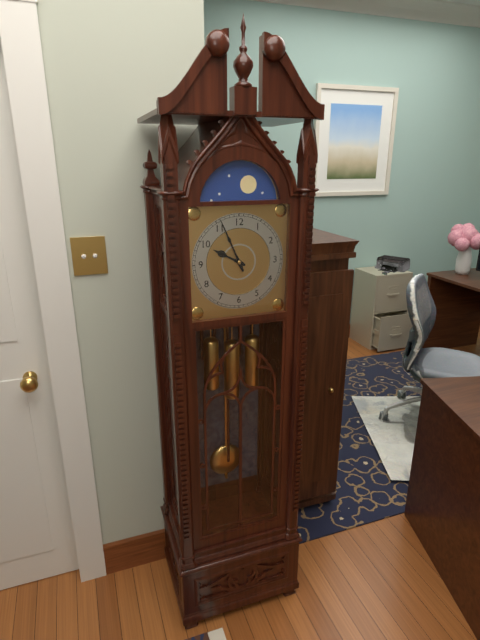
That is 9,56
